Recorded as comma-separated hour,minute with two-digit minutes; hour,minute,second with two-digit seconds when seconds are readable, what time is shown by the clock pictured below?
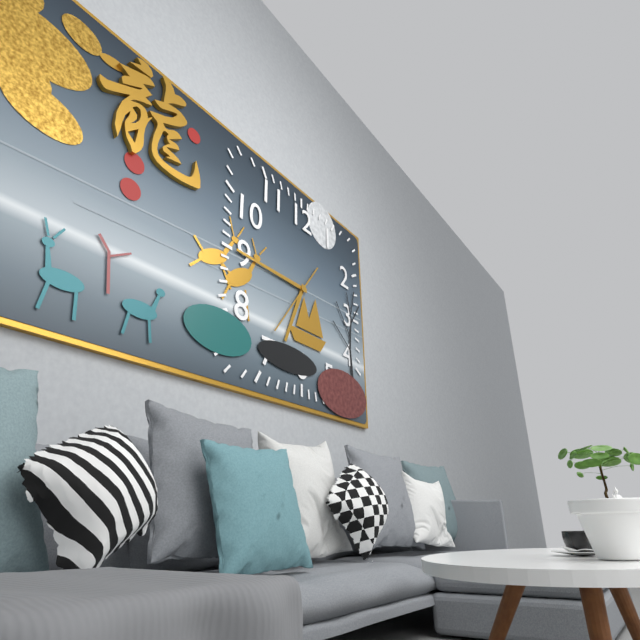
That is 6,45,36
